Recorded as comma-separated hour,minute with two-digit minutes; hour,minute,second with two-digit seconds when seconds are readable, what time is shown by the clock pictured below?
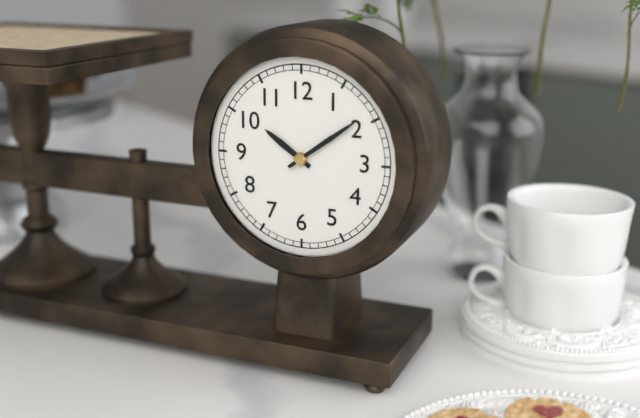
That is 10,09
